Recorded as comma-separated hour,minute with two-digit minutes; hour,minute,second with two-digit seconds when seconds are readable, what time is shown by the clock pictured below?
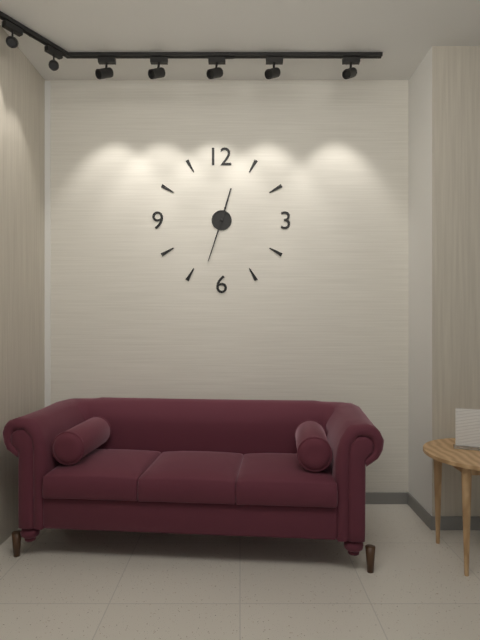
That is 12,33
